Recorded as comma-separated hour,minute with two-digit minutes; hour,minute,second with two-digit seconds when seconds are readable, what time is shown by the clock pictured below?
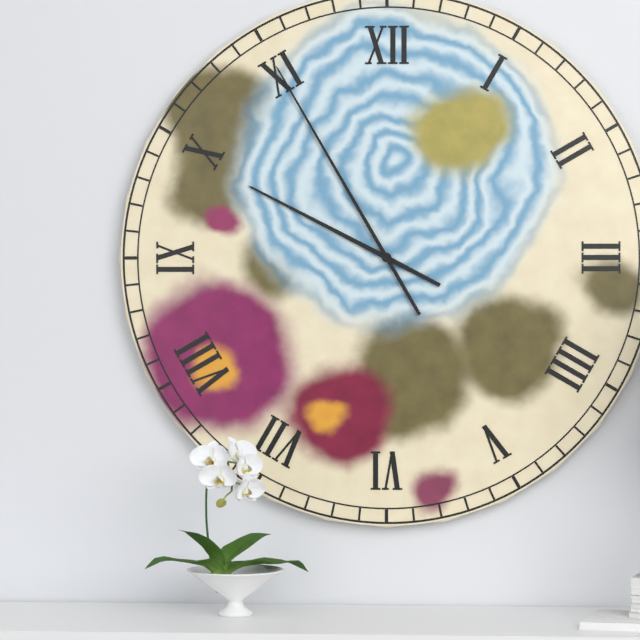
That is 9,55
